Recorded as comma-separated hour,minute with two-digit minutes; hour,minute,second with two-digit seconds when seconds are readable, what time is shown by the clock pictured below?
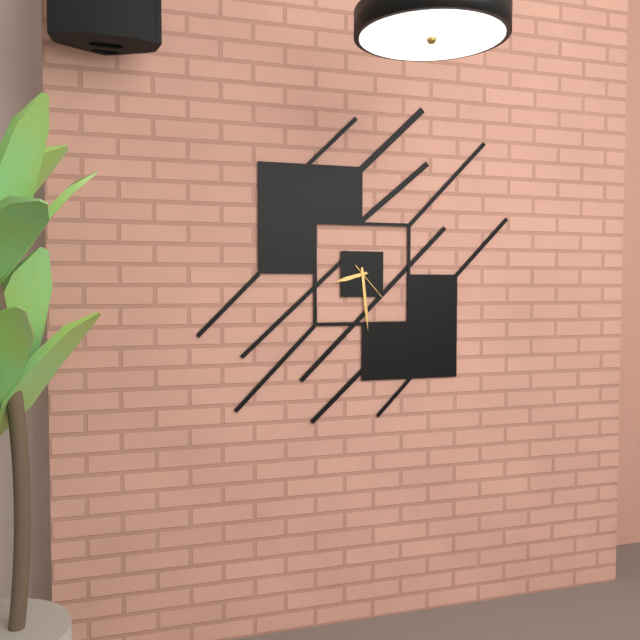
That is 8,29,23
